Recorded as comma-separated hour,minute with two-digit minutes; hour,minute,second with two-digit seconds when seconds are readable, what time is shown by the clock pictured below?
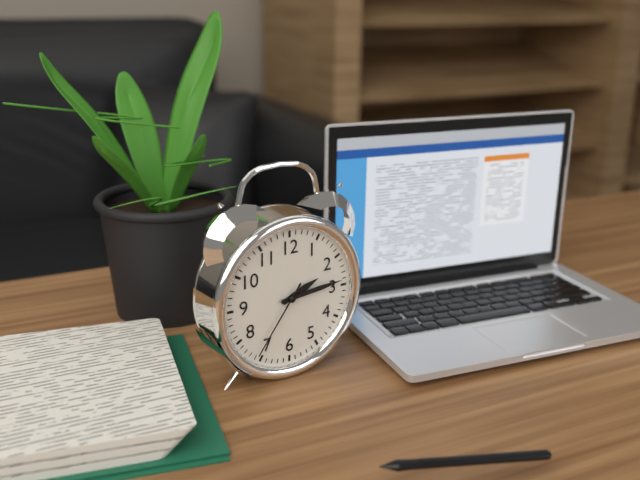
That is 2,14,36
